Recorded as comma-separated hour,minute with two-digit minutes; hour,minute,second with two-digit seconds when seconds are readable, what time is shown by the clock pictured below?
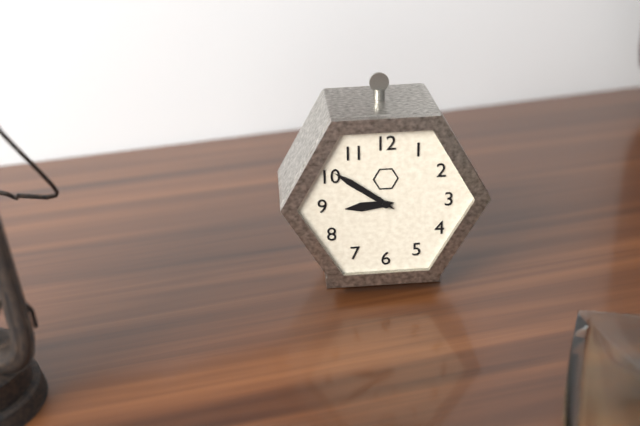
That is 8,51
